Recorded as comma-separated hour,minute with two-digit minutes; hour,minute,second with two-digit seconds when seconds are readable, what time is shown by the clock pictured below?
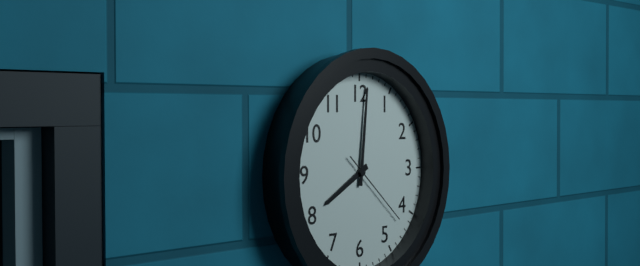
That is 8,01,22
